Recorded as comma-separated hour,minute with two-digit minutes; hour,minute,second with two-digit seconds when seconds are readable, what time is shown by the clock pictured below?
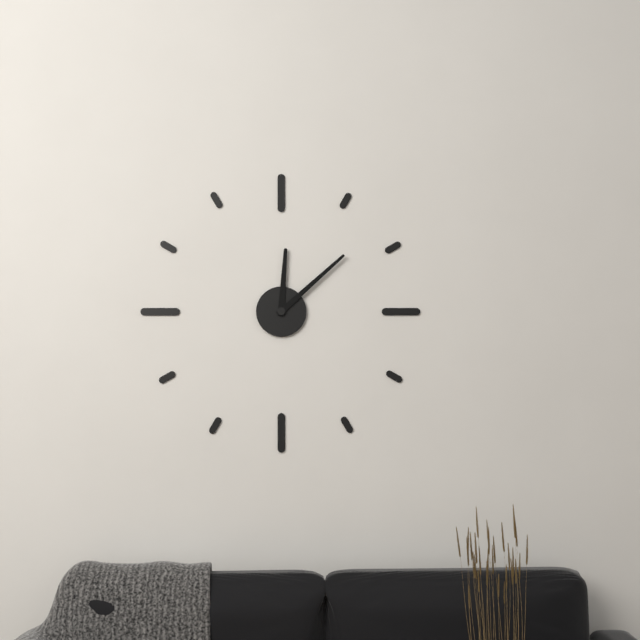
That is 12,08
